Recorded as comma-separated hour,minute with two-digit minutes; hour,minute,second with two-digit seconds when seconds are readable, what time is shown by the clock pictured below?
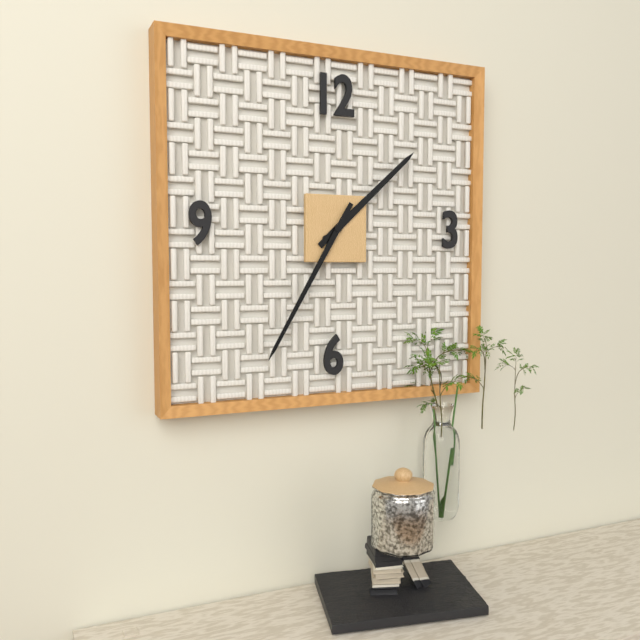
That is 1,35
